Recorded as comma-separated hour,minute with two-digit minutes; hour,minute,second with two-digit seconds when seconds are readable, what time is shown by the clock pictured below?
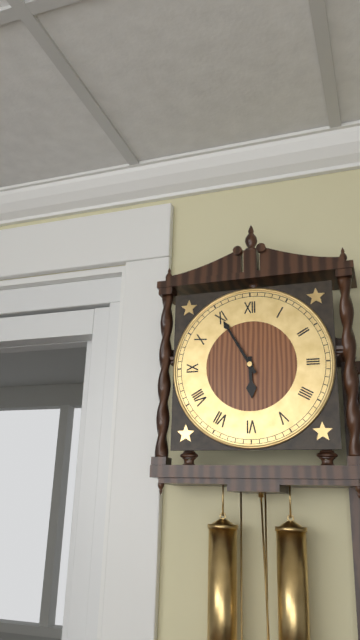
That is 5,55
